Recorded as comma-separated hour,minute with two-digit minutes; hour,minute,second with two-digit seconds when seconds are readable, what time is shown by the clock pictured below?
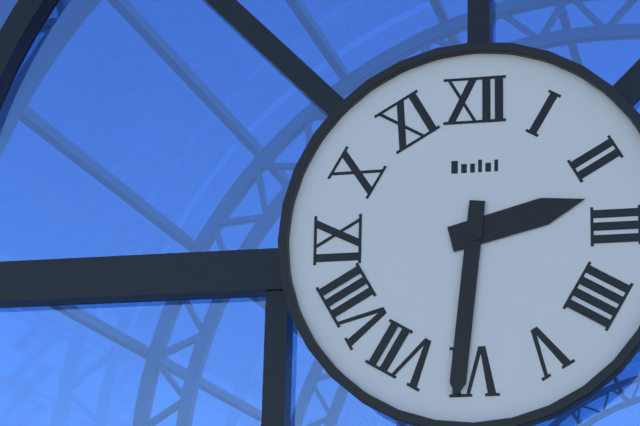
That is 2,31
